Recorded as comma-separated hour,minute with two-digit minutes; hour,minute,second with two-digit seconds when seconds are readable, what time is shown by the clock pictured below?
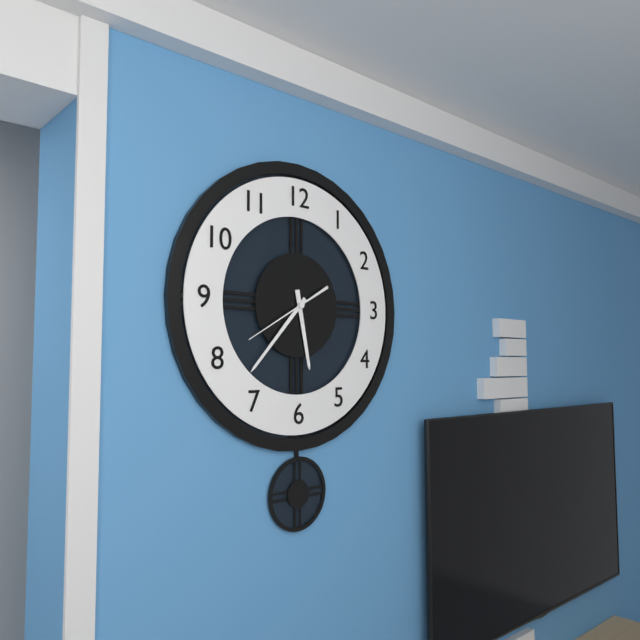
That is 5,37,40
